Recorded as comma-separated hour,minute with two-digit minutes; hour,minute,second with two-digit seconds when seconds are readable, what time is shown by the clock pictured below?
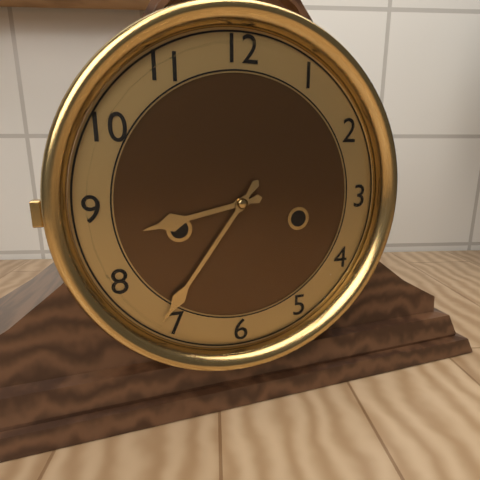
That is 8,36
